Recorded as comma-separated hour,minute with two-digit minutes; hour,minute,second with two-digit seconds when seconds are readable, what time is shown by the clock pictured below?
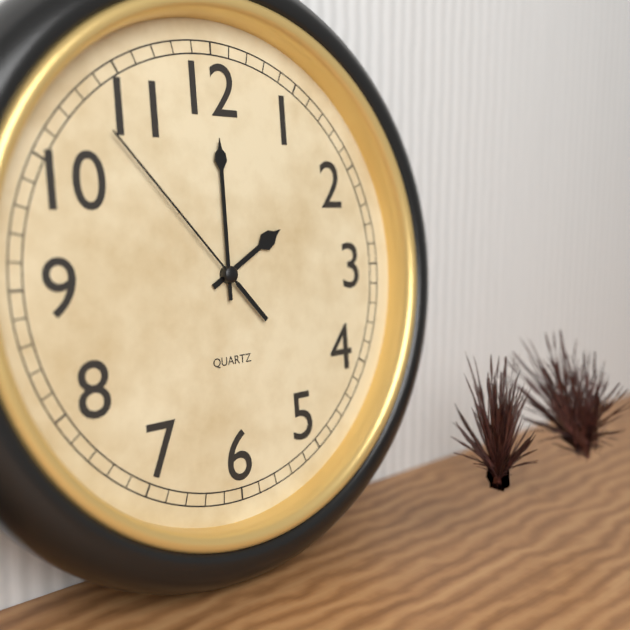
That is 2,00,53
